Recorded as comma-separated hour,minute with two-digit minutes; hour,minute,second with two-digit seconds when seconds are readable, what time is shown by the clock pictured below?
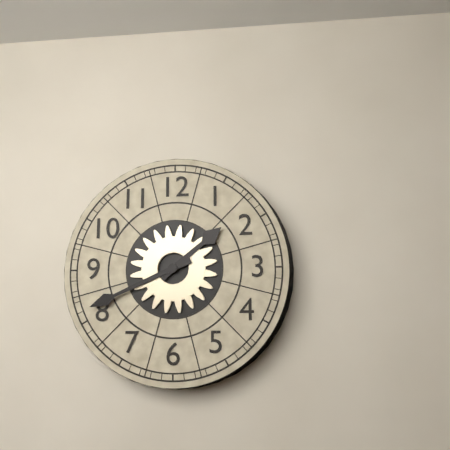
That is 1,41
